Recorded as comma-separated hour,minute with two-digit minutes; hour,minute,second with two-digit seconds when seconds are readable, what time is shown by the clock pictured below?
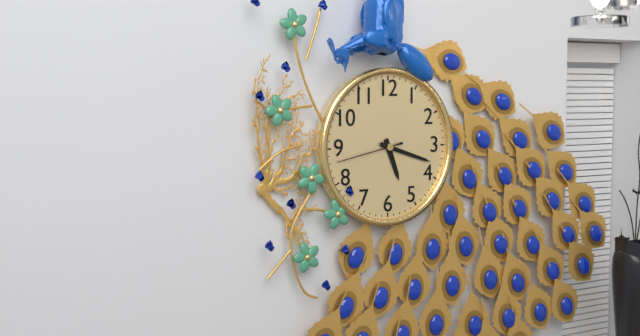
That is 5,18,43
